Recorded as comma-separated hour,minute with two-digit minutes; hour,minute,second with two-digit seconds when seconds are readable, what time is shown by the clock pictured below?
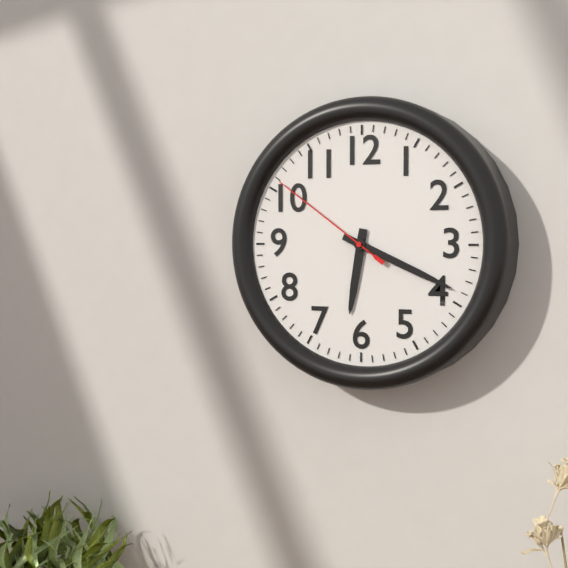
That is 6,19,51
